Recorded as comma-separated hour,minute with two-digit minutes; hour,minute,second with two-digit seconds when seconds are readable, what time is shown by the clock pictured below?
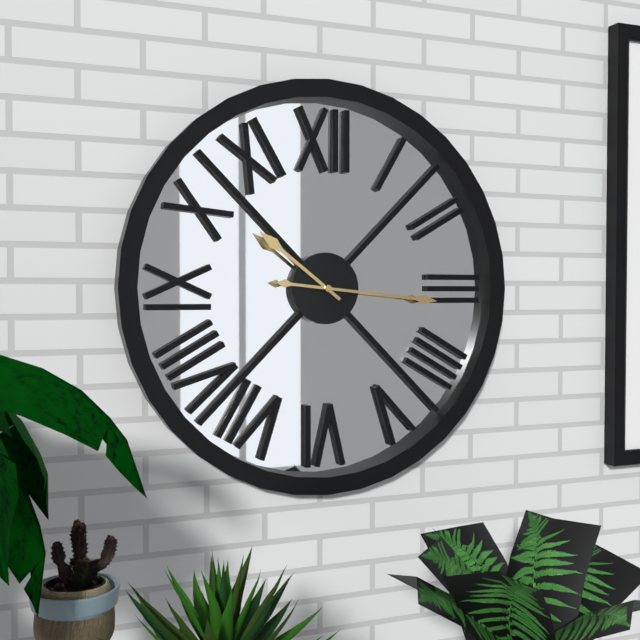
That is 10,16
